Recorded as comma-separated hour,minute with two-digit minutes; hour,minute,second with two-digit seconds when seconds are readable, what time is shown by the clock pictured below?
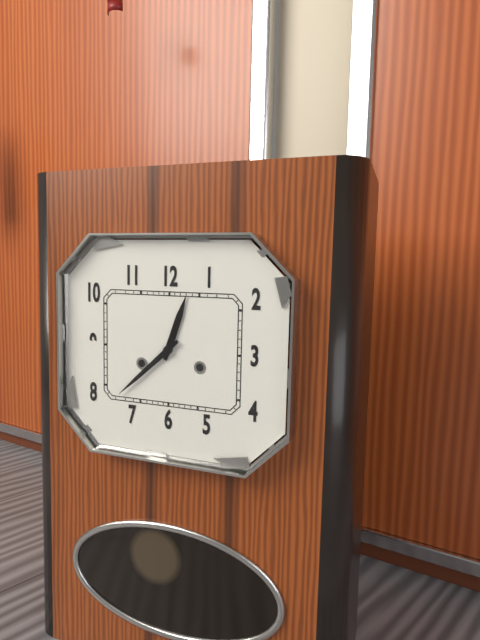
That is 12,38
